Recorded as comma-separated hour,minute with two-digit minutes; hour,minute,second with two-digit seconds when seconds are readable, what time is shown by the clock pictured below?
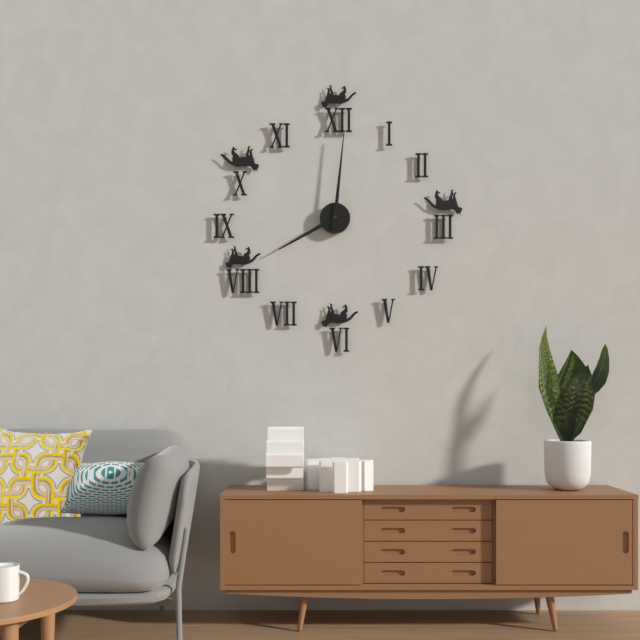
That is 8,01
